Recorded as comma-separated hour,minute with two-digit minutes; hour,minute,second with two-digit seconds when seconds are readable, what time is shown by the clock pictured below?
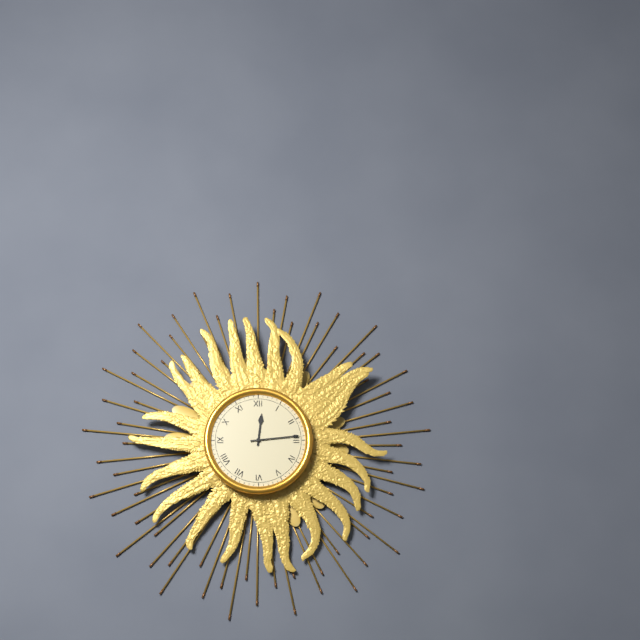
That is 12,14
